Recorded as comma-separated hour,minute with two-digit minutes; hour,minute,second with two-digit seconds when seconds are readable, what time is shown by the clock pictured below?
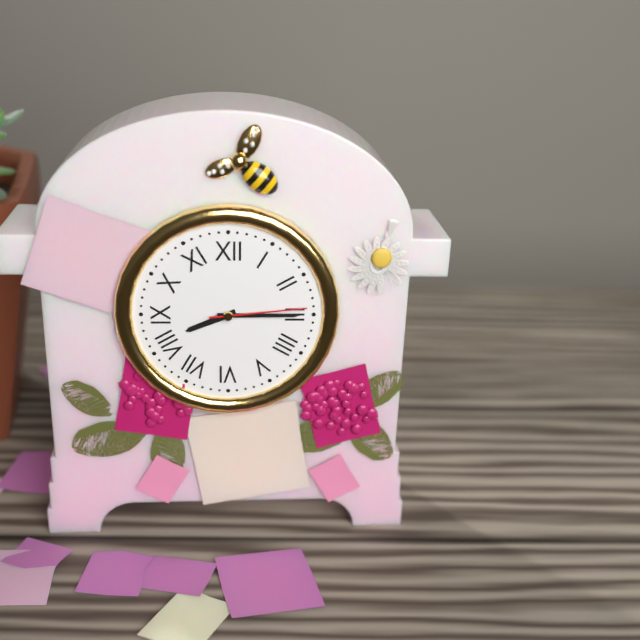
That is 8,15,14
